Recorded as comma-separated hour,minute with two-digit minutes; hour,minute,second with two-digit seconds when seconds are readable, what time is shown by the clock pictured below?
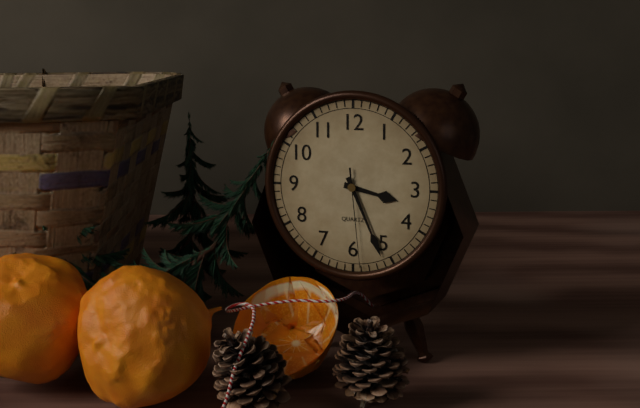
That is 3,26,29
